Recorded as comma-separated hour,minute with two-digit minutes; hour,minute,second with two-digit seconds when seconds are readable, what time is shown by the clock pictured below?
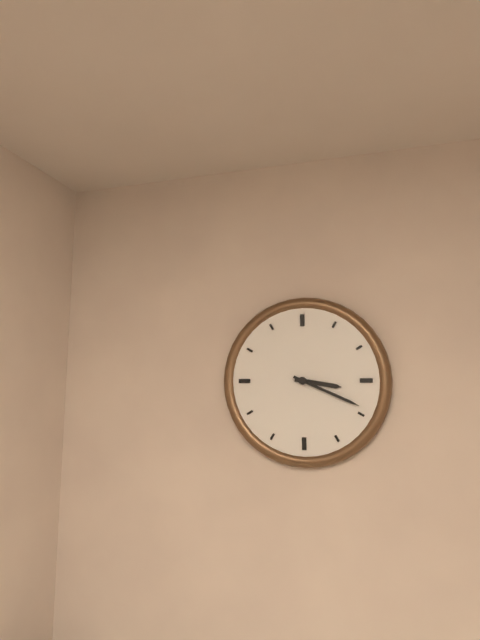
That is 3,19
